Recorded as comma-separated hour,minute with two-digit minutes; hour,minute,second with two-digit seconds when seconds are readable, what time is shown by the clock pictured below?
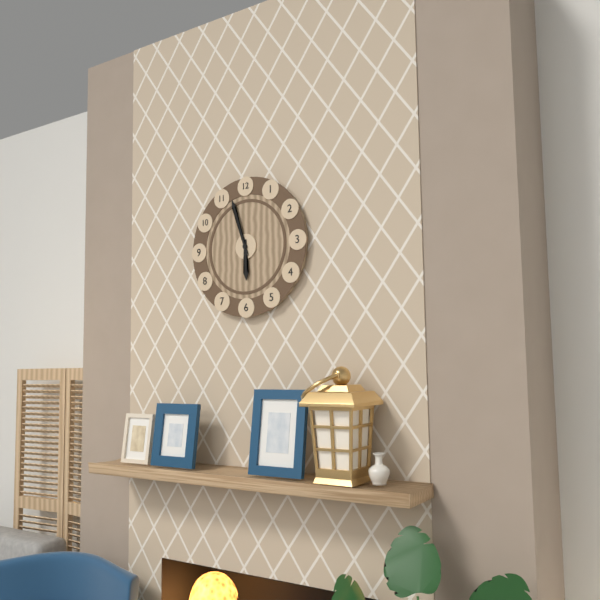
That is 5,57
